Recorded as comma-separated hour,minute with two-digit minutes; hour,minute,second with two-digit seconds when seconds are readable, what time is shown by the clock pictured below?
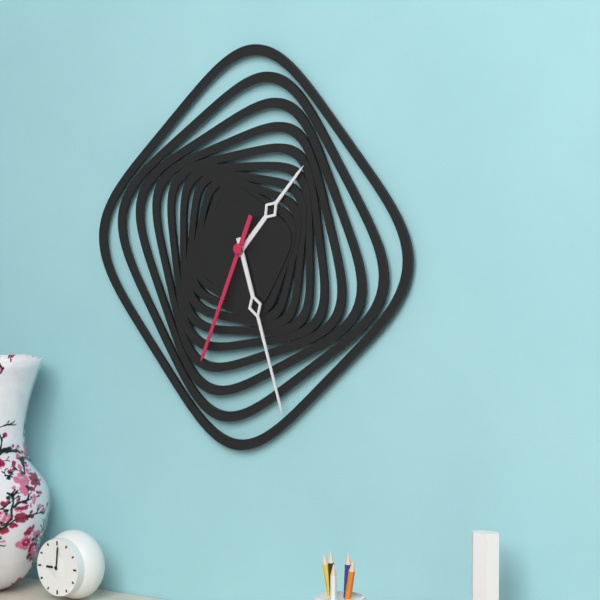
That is 1,27,34
